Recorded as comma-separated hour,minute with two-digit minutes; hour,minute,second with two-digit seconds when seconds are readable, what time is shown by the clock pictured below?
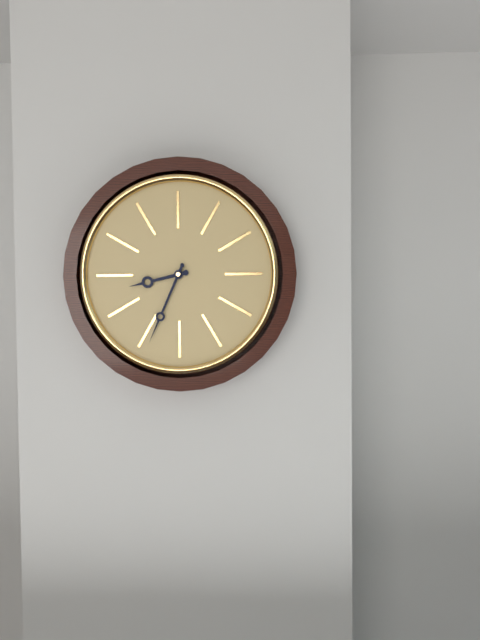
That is 8,34
